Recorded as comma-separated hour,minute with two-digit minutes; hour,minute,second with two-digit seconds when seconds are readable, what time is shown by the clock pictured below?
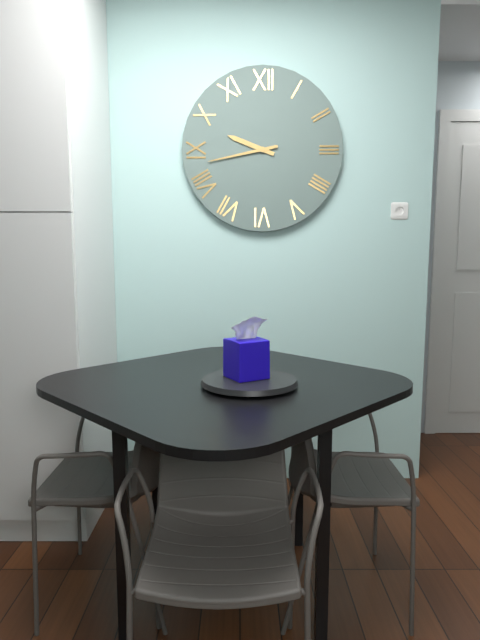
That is 9,43
